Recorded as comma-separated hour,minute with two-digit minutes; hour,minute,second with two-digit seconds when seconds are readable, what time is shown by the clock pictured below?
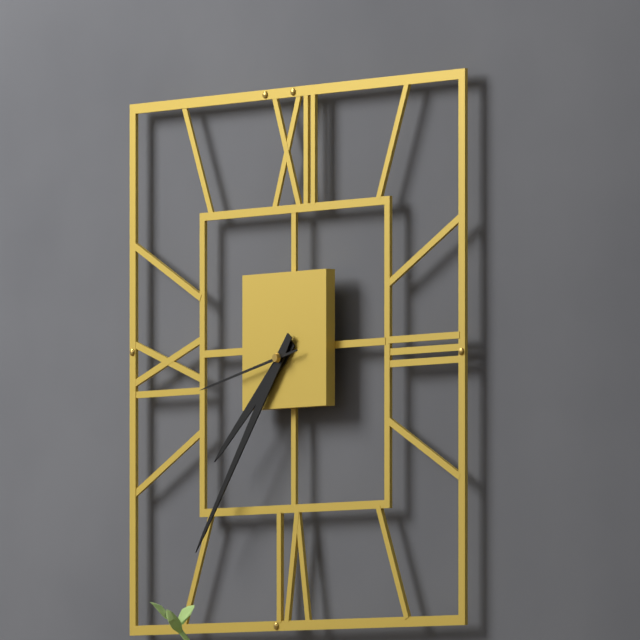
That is 7,36,43
